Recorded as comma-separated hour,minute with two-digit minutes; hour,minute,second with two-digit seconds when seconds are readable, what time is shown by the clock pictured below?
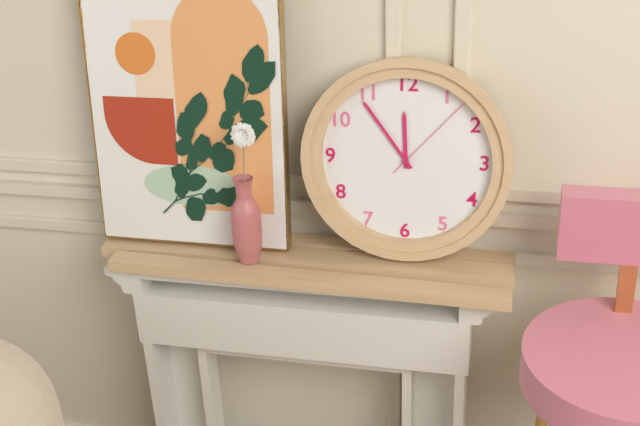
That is 11,54,07
